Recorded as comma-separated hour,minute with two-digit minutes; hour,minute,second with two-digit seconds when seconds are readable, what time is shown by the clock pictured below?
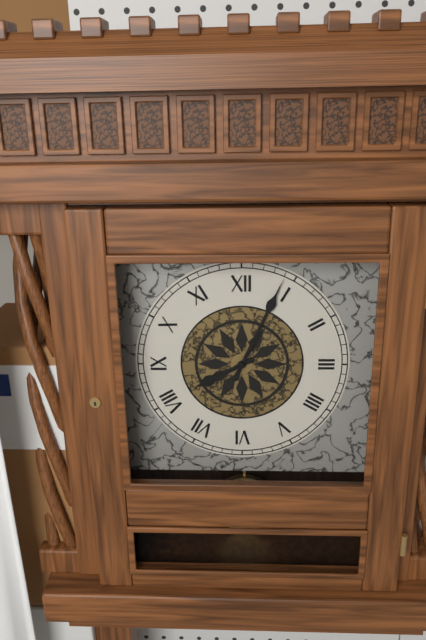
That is 8,04
